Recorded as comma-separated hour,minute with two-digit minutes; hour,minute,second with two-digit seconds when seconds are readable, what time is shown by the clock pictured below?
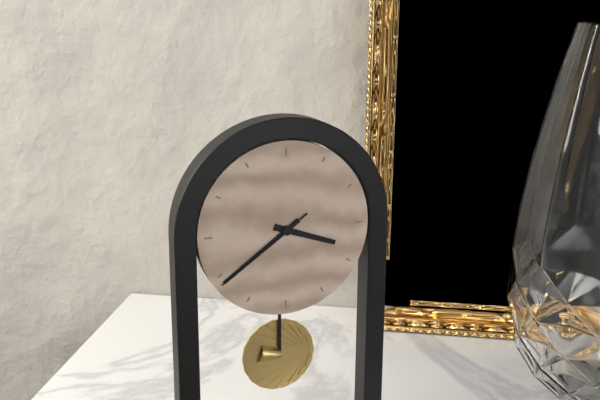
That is 3,39,39
